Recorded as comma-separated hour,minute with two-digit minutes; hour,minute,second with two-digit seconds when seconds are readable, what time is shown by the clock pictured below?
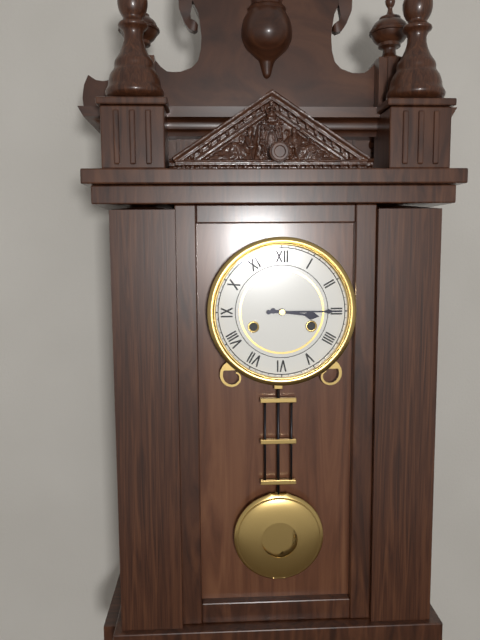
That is 3,15
